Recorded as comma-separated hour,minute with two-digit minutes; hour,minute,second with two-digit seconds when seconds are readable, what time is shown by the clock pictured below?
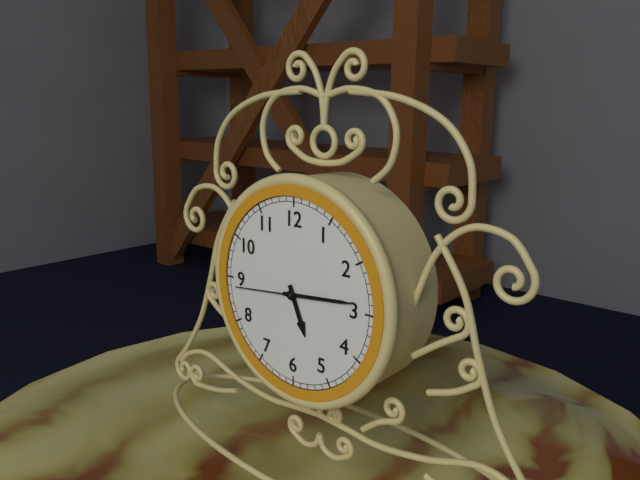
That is 5,14,44
